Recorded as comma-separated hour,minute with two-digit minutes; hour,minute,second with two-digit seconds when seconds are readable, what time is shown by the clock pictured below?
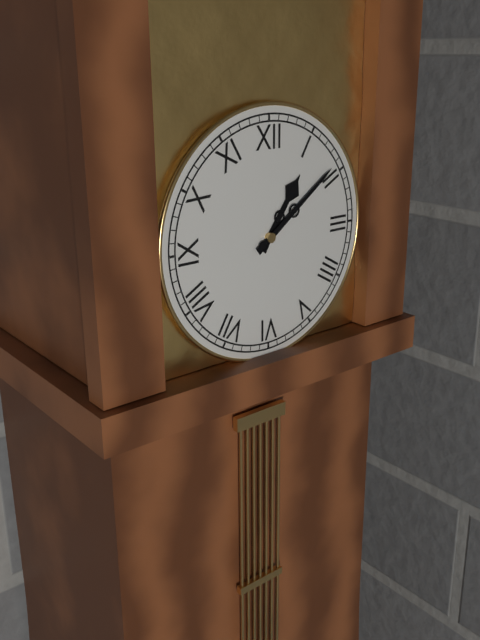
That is 1,09
